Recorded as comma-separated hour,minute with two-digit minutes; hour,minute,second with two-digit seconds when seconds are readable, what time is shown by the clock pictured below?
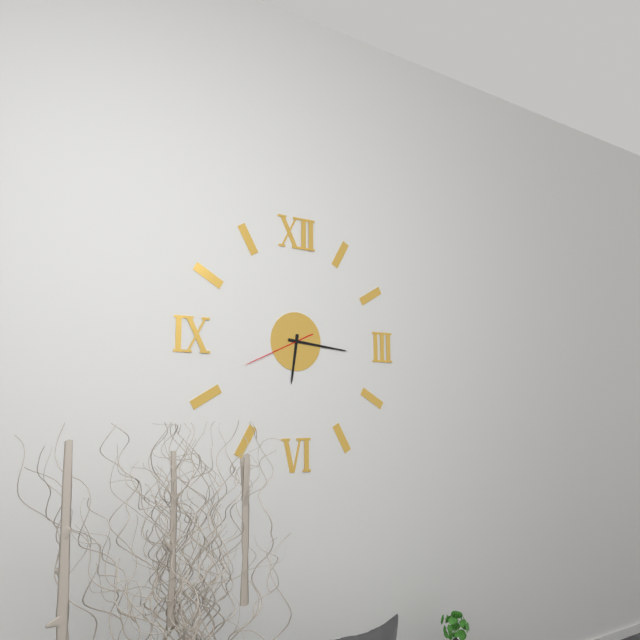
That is 6,16,41
